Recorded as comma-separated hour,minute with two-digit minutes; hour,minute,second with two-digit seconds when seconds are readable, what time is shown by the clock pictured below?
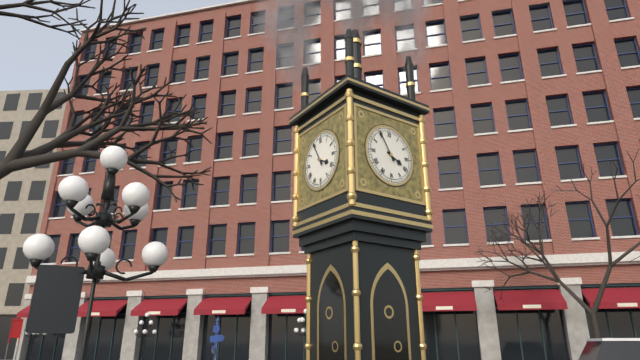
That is 3,55
